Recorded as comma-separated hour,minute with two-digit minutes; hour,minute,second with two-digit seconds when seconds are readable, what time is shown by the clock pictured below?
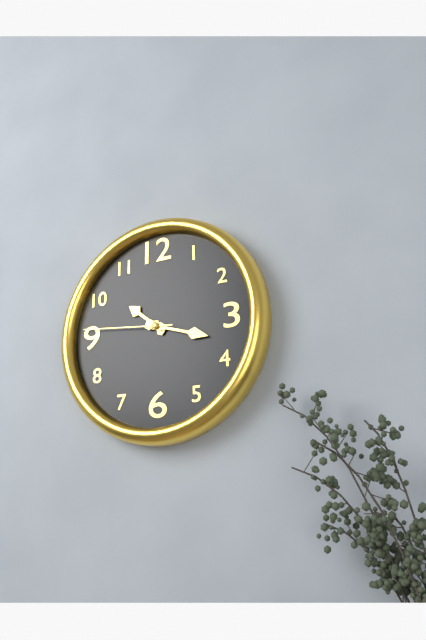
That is 10,18,46
